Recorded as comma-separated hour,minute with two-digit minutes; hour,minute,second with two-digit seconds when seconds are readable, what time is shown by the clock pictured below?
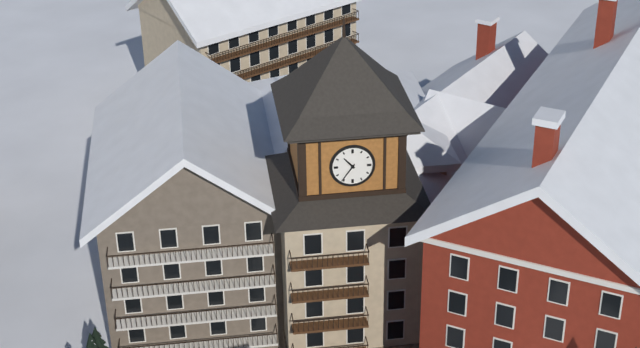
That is 10,36
